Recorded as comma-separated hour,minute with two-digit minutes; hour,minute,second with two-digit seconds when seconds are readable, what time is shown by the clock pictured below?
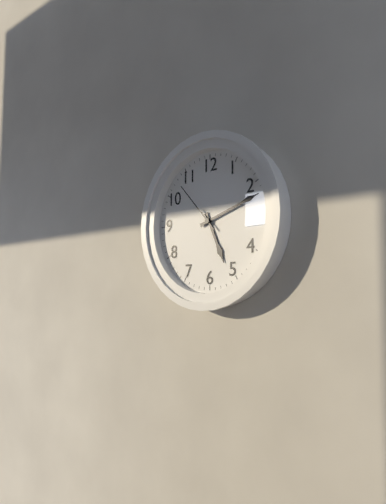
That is 5,12,53
